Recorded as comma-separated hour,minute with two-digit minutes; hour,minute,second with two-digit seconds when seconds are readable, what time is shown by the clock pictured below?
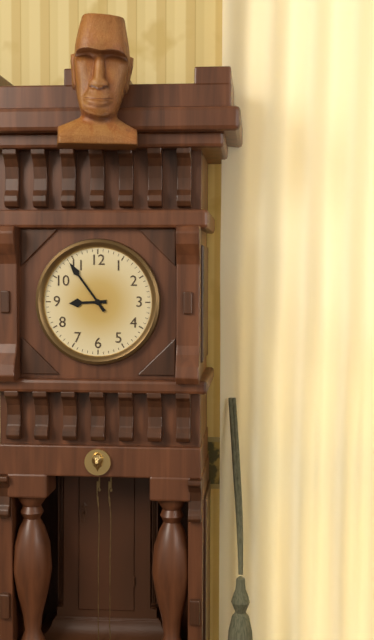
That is 8,54
